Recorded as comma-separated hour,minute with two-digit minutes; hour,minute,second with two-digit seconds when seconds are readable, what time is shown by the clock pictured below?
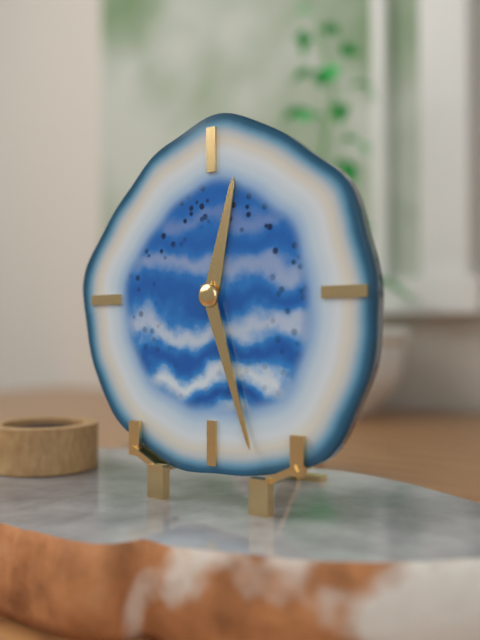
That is 12,27
